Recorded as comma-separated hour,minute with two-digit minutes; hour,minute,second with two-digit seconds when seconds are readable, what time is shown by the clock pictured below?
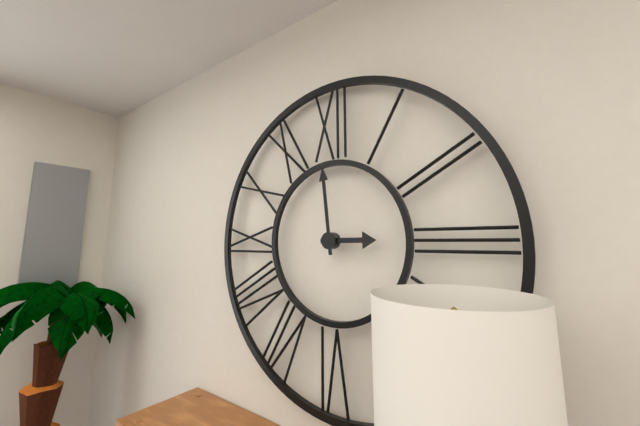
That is 2,59
